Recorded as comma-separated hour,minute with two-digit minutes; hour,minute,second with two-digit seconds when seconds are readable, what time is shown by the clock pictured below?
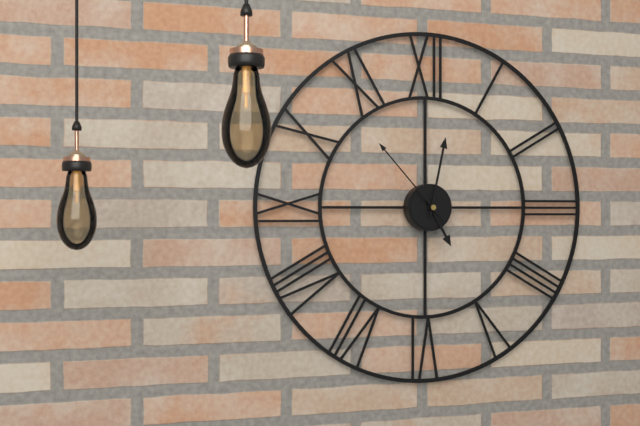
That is 5,02,53
